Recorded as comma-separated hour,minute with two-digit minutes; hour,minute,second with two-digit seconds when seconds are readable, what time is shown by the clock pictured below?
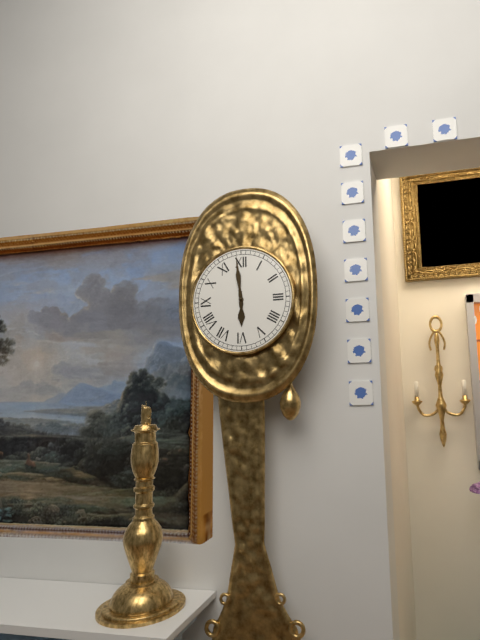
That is 5,59
